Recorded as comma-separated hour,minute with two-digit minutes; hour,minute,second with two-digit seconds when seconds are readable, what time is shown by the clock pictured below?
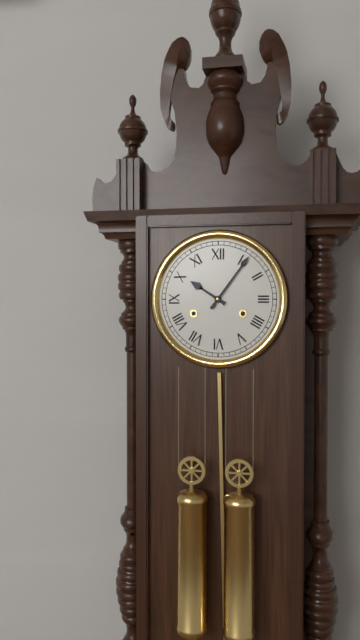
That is 10,06
